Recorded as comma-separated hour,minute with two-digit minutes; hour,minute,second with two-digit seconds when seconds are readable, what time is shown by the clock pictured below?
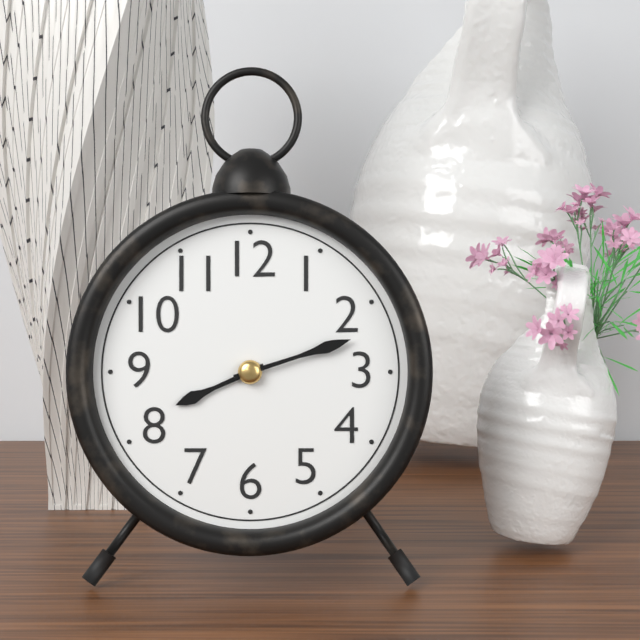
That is 8,12
